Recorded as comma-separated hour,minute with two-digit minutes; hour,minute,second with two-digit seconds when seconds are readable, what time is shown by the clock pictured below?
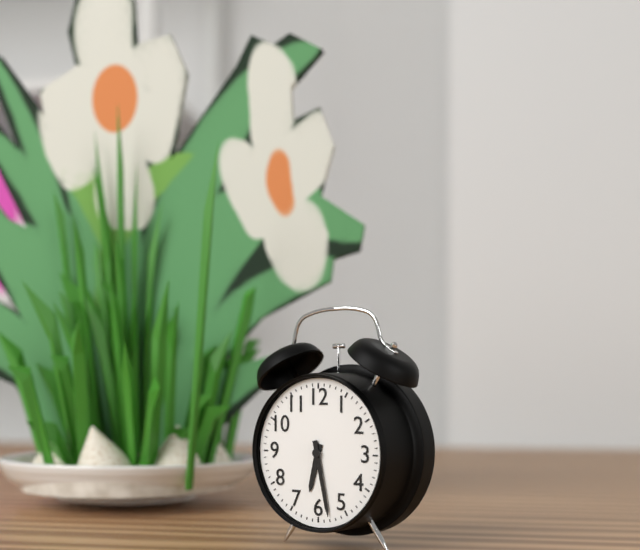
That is 6,28
